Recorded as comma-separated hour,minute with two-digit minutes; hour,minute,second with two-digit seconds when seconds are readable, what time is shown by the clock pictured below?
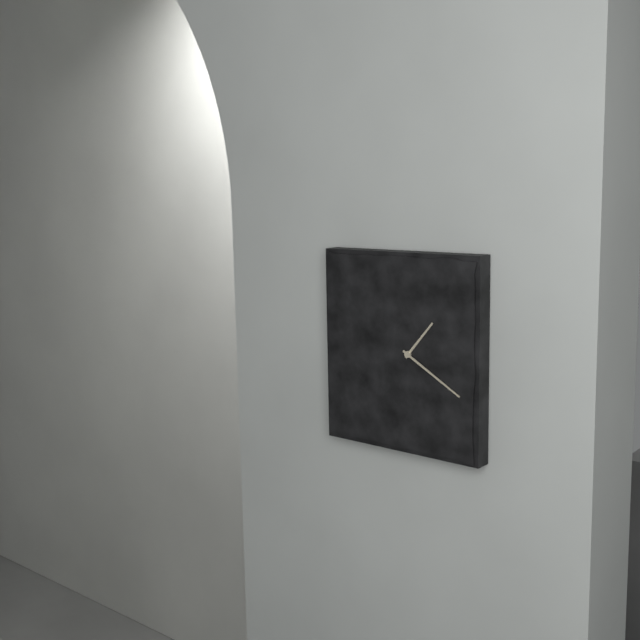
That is 1,20
